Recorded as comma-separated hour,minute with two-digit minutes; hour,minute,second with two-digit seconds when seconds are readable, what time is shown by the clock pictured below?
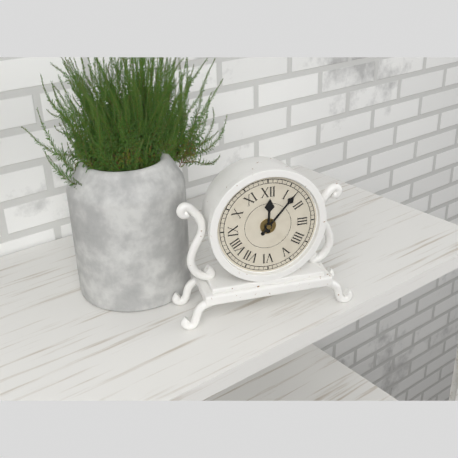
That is 12,07
